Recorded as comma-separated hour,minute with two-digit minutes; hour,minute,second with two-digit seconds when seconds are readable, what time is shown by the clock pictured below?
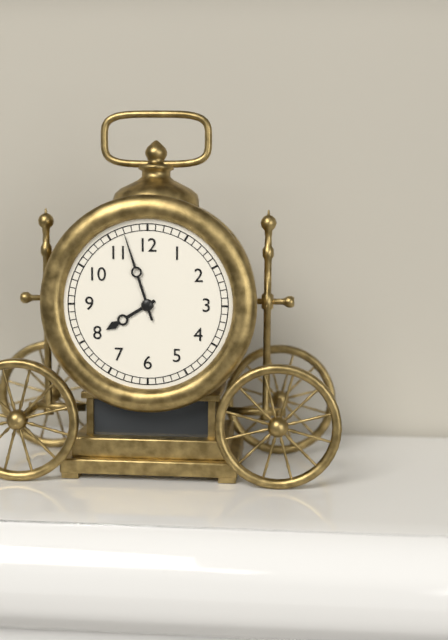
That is 7,57
